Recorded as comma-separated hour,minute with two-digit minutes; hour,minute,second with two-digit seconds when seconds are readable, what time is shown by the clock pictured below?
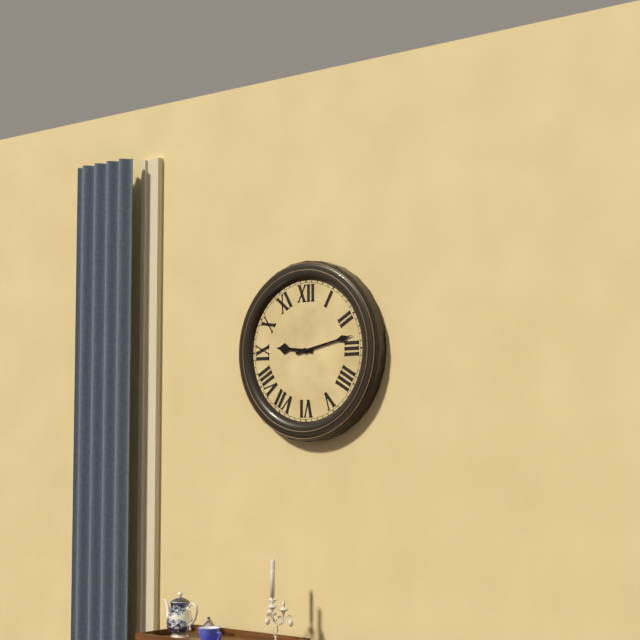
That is 9,13
